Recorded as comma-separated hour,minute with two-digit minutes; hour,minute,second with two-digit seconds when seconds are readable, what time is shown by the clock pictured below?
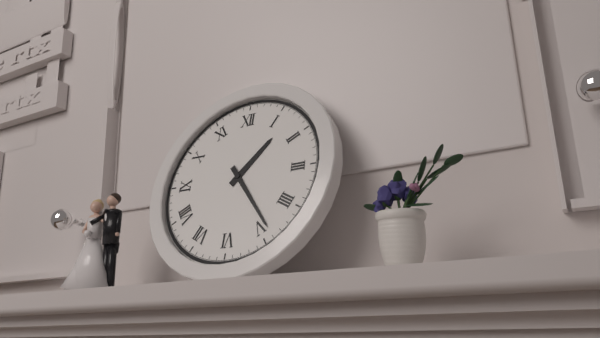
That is 1,24
